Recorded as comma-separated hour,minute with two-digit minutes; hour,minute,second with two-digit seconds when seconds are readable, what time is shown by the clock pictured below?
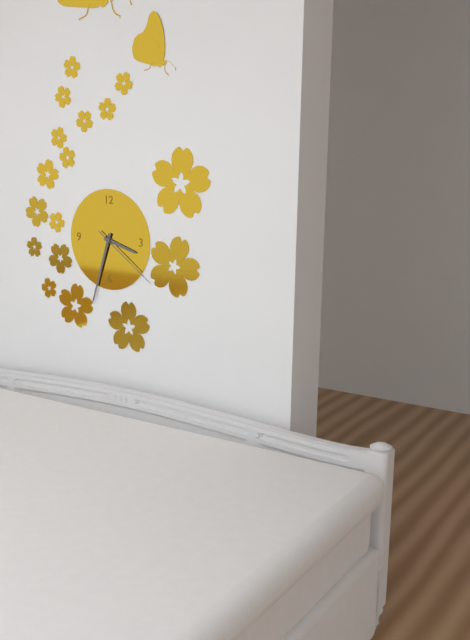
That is 3,33,21
